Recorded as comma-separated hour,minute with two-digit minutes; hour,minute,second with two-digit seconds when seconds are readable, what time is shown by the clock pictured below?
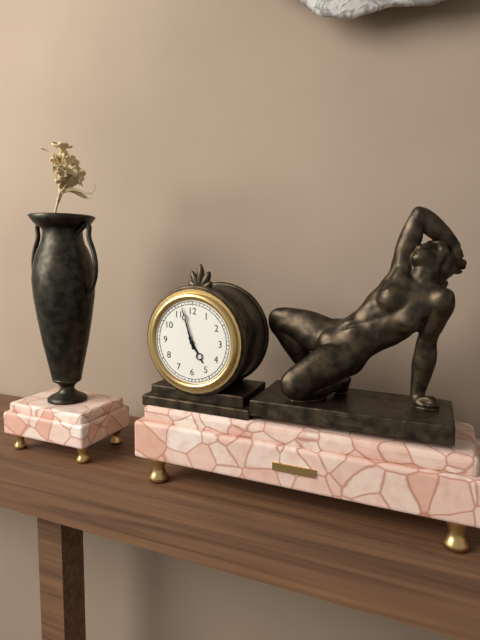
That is 4,57
